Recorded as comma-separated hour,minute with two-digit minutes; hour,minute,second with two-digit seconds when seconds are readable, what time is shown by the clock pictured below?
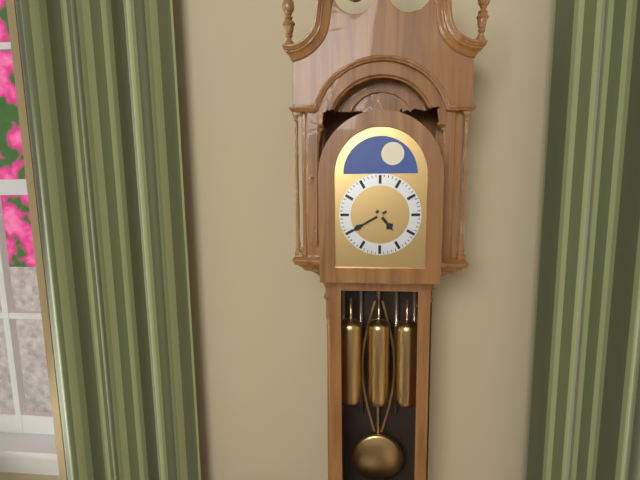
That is 4,40
